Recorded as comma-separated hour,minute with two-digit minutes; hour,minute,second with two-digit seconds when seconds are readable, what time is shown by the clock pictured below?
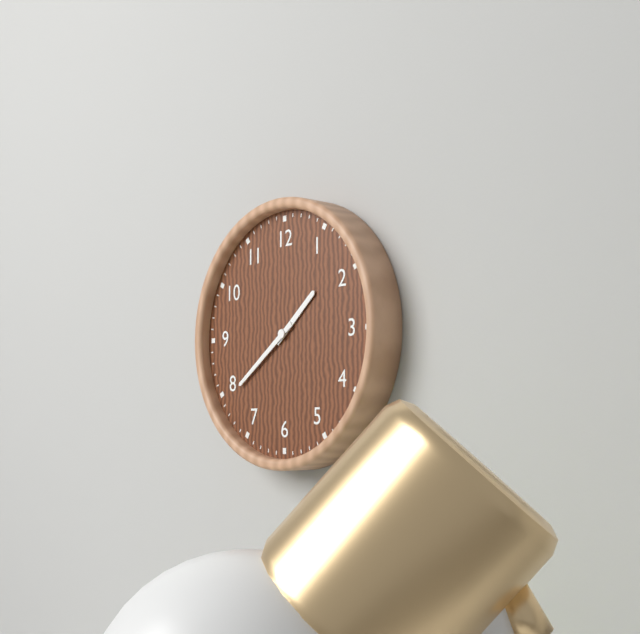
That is 1,39
